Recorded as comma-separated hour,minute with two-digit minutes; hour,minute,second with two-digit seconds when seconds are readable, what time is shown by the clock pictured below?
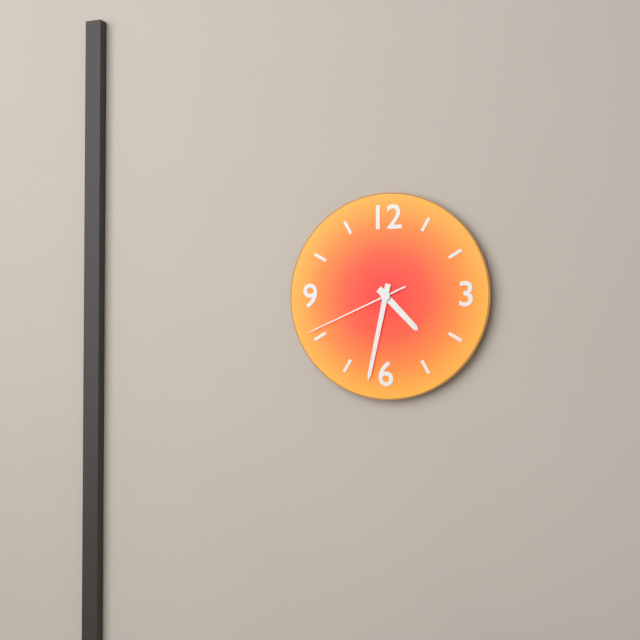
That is 4,32,41
